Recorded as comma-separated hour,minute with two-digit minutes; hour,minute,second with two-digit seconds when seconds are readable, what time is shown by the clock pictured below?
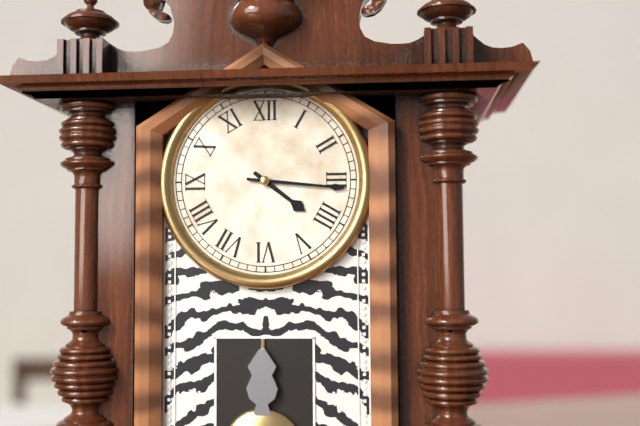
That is 4,16
